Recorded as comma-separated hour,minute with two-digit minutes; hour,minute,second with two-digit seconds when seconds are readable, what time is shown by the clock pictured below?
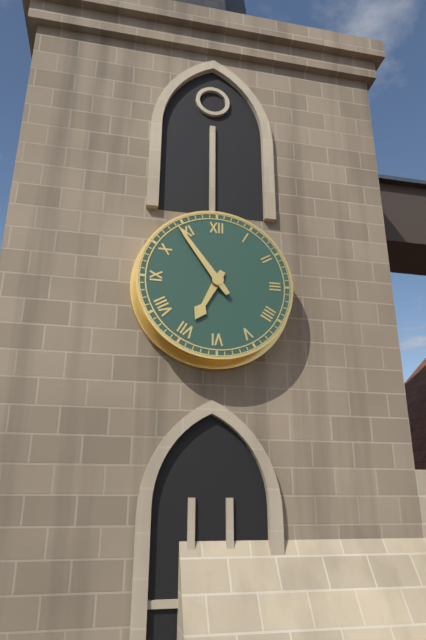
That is 6,54
